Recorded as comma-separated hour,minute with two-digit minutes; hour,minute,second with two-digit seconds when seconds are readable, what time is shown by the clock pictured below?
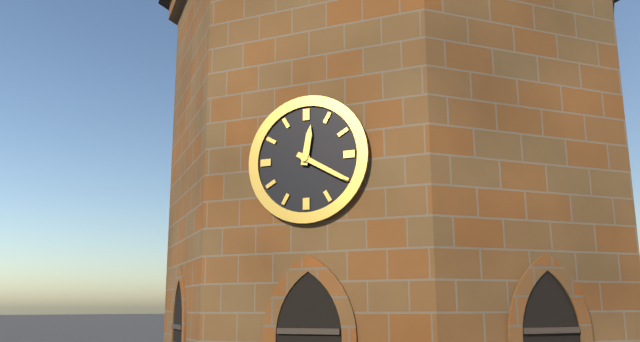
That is 12,20
